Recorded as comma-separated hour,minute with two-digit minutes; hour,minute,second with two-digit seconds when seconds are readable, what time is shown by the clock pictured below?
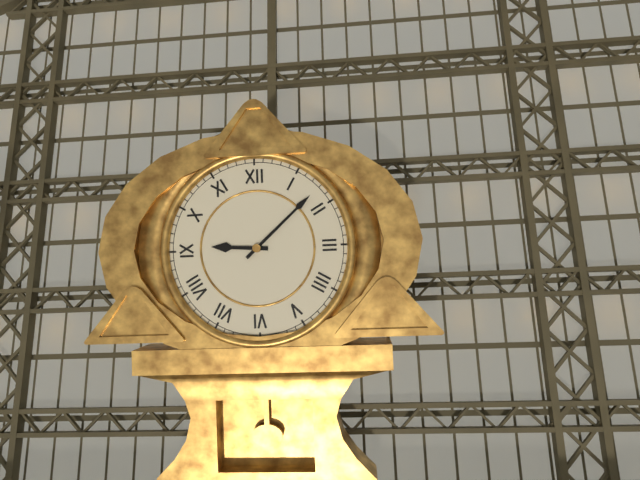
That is 9,08
